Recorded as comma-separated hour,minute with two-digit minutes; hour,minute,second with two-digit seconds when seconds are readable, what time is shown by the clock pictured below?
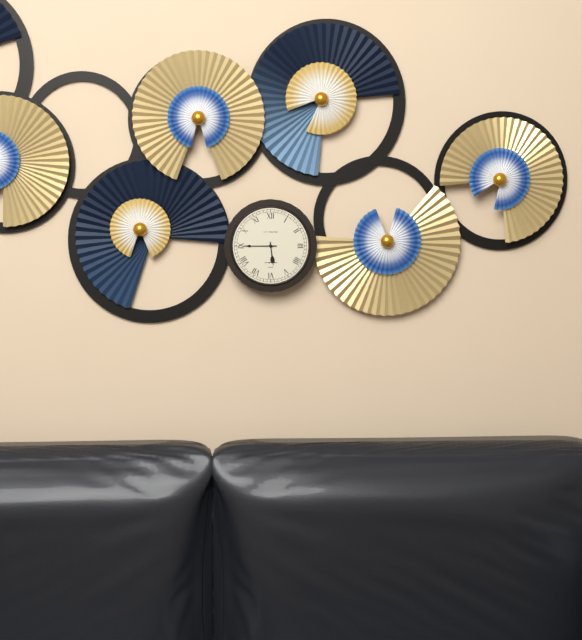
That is 5,45
